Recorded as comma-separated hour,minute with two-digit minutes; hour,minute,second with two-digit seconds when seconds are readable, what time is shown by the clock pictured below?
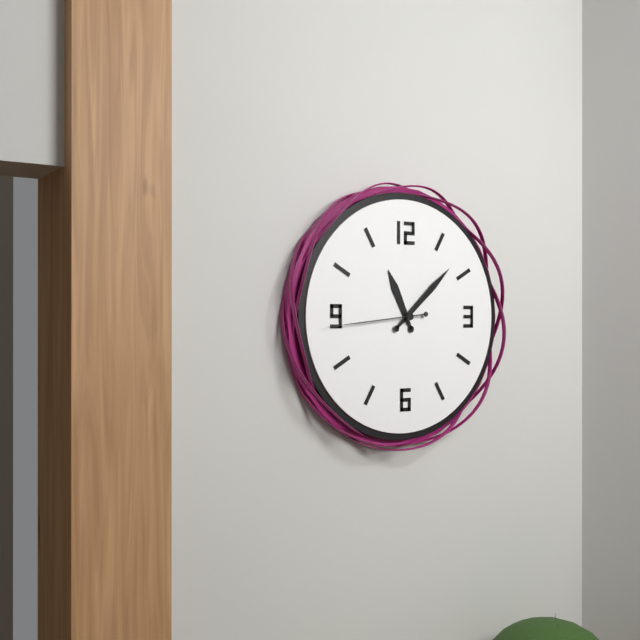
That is 11,08,44
